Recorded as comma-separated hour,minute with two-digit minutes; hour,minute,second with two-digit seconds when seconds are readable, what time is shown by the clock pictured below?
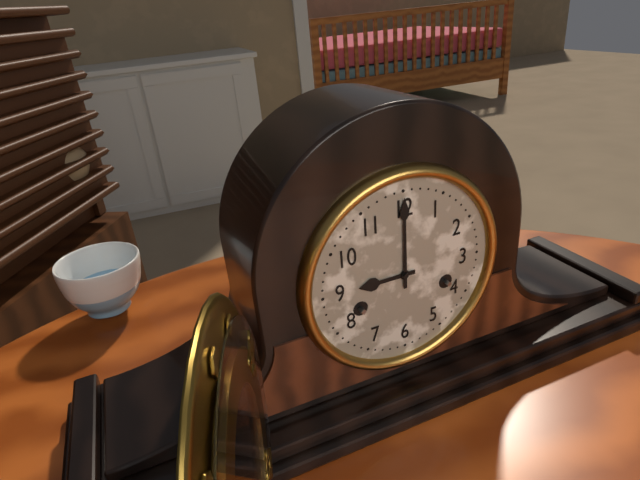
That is 9,00
